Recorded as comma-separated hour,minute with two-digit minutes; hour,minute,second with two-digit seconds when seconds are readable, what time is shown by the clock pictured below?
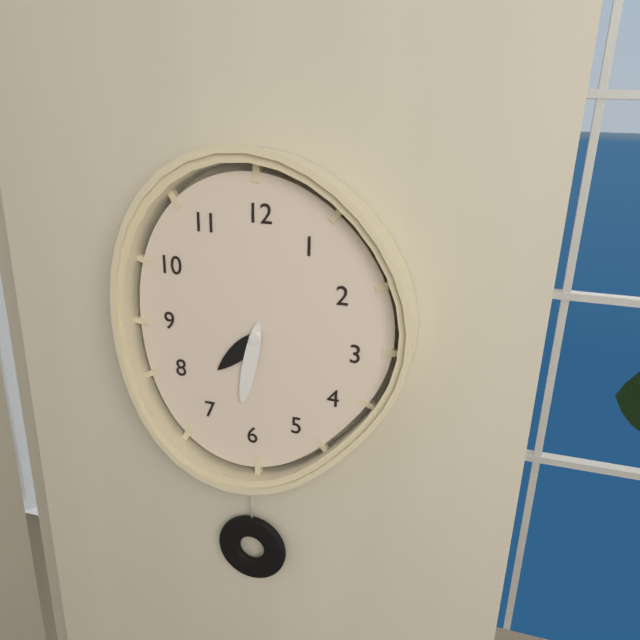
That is 7,32
